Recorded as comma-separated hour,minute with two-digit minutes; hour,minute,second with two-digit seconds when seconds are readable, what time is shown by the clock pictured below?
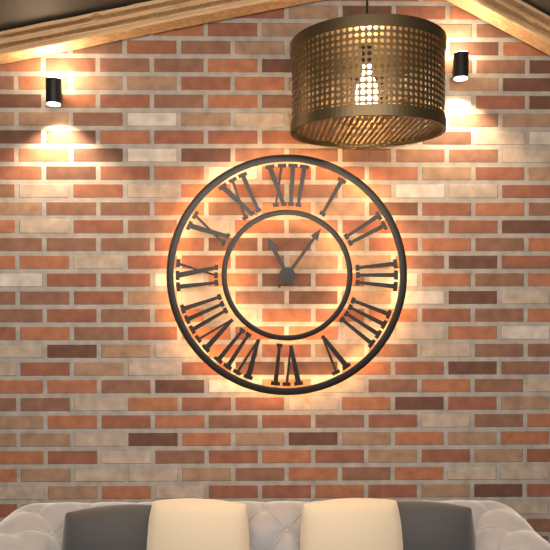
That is 11,06
